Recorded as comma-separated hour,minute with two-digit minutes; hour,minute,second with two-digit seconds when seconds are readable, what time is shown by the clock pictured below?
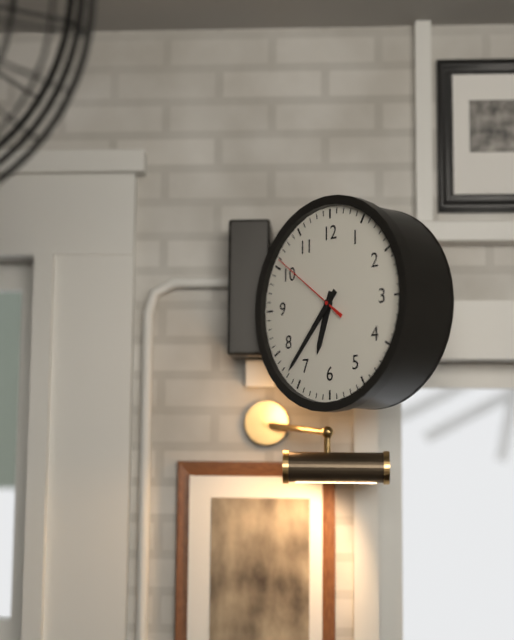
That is 6,37,51
